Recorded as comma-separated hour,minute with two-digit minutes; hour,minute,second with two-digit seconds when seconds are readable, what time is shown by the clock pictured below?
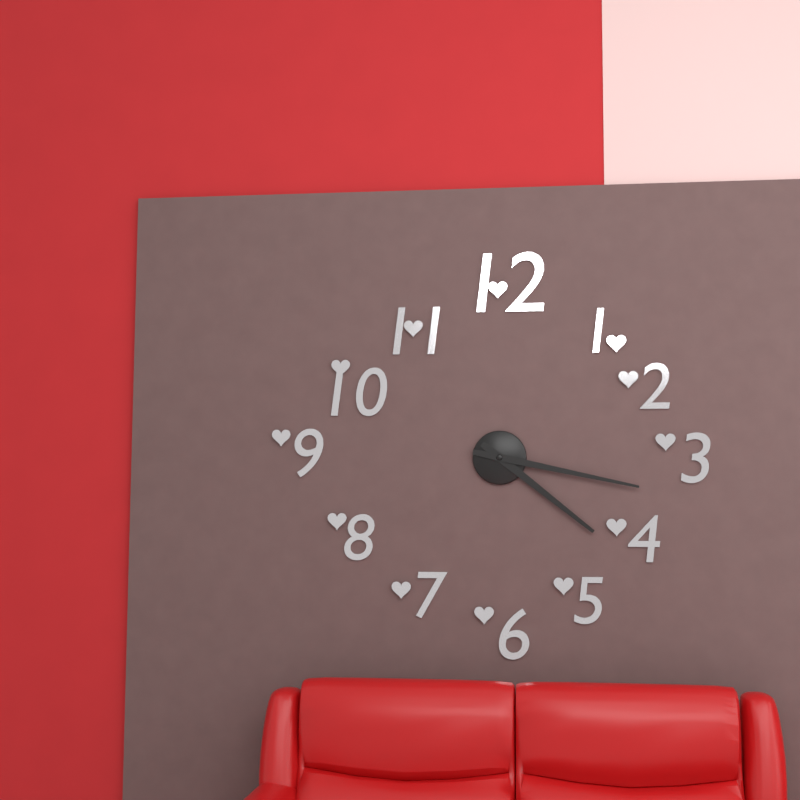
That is 4,17
